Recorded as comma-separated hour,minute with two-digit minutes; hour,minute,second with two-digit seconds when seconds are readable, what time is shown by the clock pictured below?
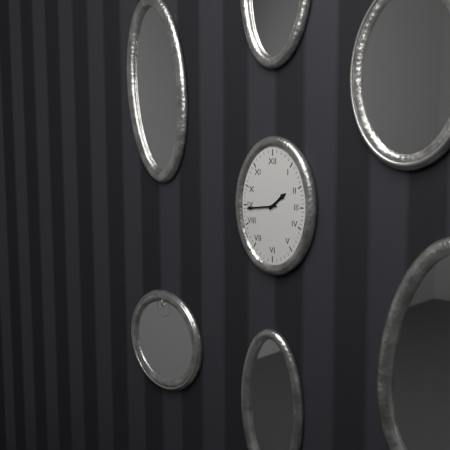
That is 1,44
